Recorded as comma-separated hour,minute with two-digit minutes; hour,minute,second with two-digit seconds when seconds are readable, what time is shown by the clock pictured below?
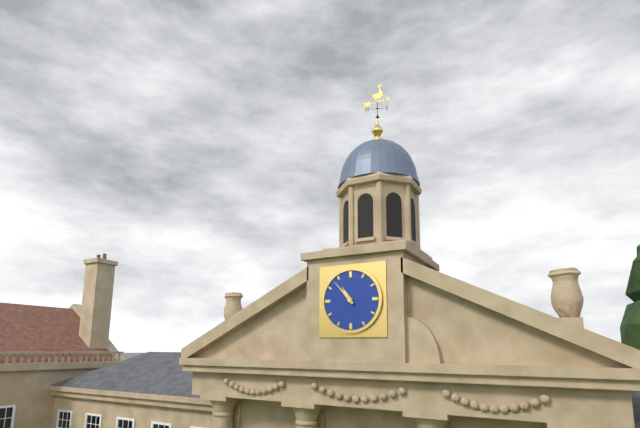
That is 10,53
